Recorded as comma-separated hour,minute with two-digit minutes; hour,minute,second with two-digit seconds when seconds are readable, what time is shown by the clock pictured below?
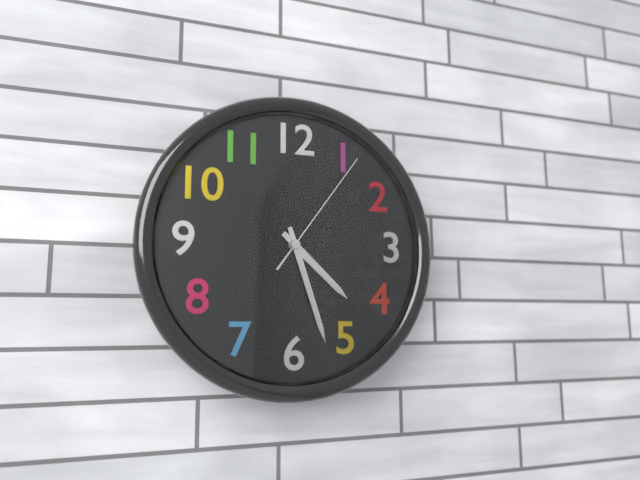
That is 4,27,06
